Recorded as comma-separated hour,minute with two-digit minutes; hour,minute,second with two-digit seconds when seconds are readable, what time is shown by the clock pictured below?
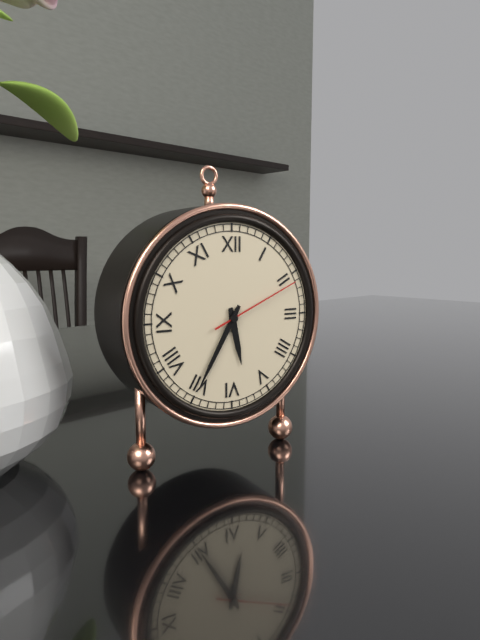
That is 5,35,11
